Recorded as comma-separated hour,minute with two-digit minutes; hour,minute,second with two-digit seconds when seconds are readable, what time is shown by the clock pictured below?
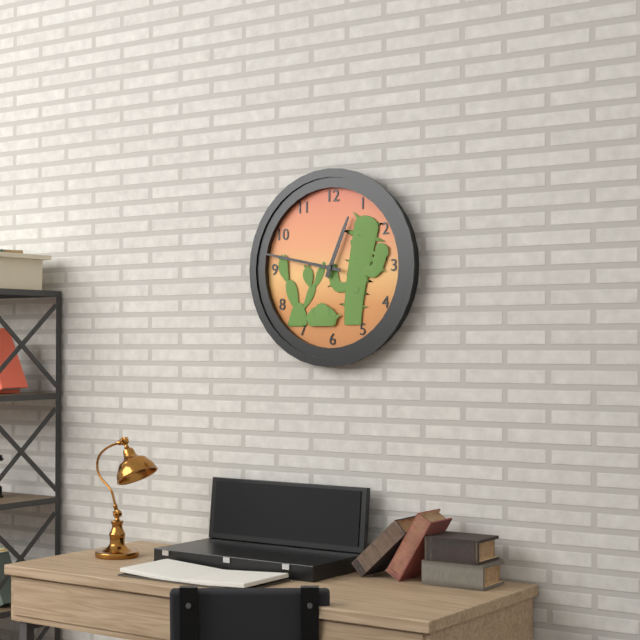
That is 12,47
